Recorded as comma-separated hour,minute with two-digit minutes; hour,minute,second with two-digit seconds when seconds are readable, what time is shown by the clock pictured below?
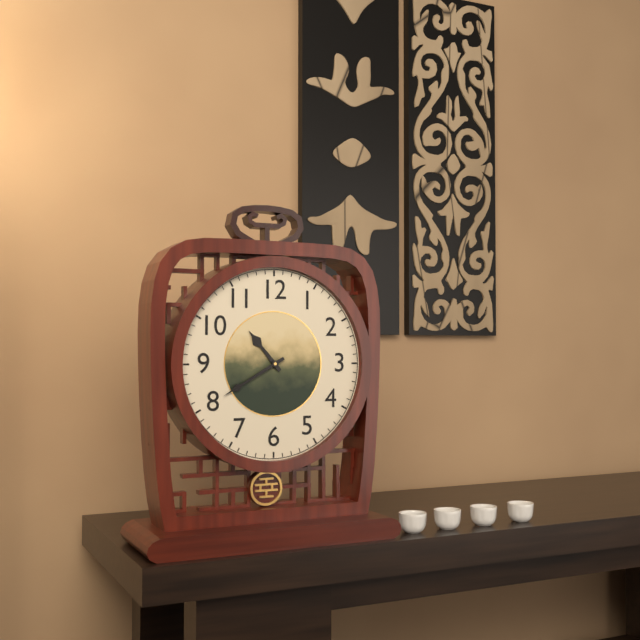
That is 10,40
